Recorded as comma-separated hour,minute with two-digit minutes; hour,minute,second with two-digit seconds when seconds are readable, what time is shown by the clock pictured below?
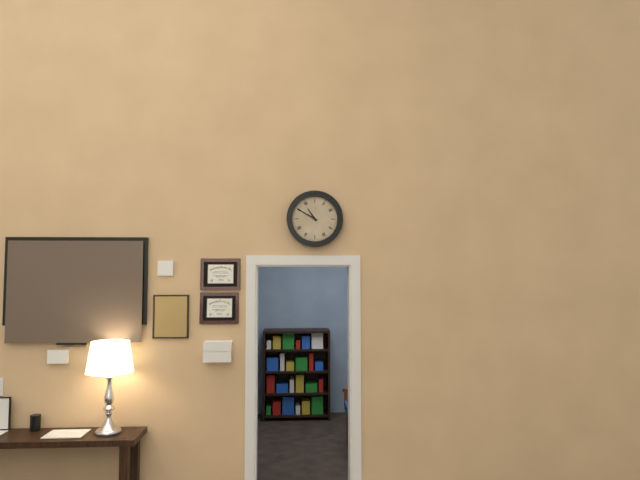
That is 10,50
